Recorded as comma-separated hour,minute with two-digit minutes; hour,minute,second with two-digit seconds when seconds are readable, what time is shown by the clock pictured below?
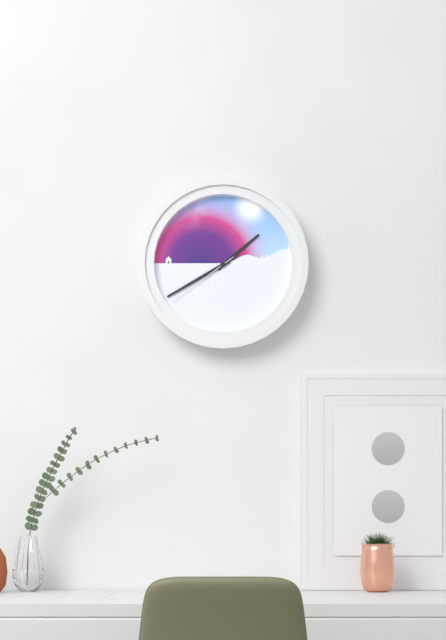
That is 1,40,39
